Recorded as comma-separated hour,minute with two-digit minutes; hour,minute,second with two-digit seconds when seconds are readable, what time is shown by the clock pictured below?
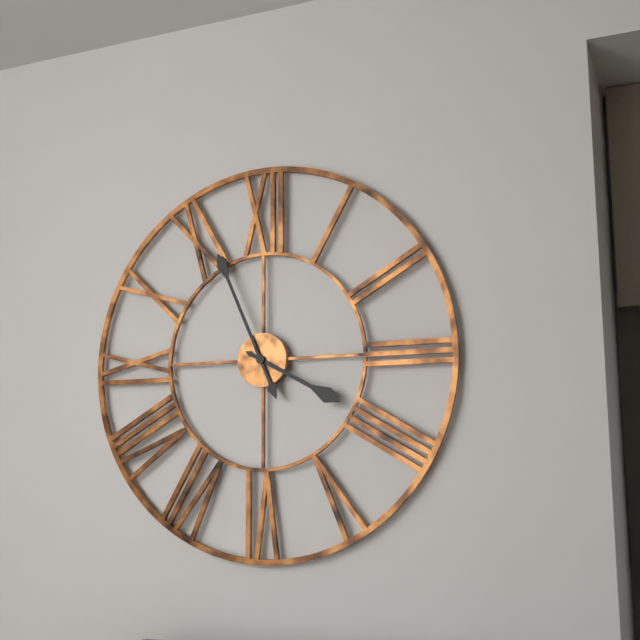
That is 3,56
